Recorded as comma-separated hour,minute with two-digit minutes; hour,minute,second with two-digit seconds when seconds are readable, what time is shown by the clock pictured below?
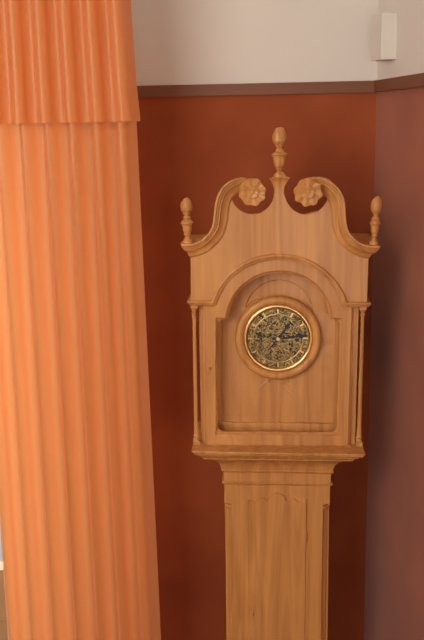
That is 1,14
